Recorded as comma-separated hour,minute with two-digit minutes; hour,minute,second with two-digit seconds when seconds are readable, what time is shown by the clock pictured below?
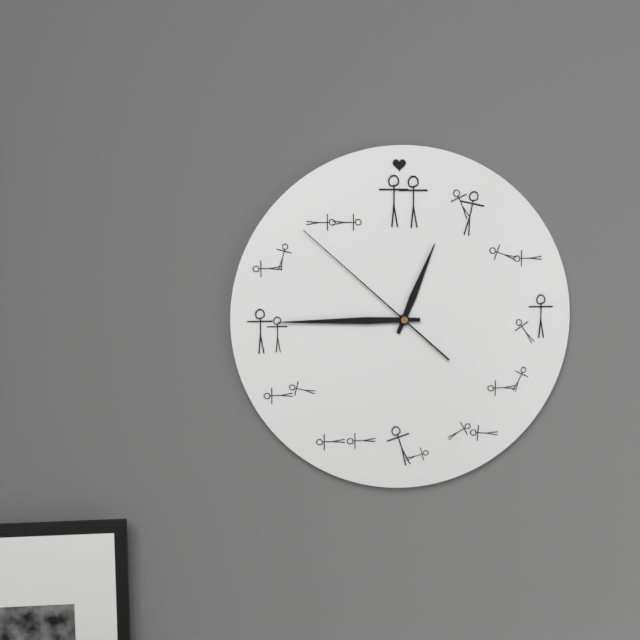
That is 12,45,52
